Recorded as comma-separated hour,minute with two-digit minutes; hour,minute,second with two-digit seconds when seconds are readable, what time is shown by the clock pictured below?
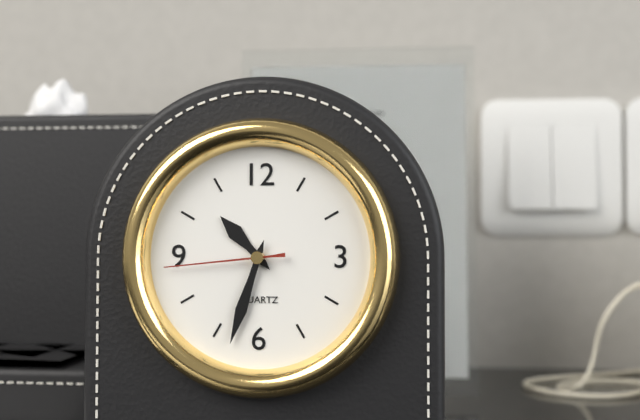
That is 10,33,44
